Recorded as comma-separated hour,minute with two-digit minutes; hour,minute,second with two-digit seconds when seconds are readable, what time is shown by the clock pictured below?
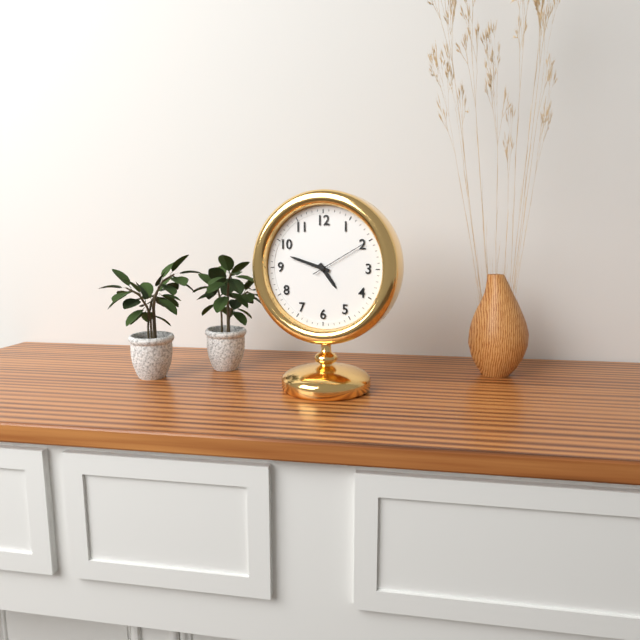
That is 4,48,10
